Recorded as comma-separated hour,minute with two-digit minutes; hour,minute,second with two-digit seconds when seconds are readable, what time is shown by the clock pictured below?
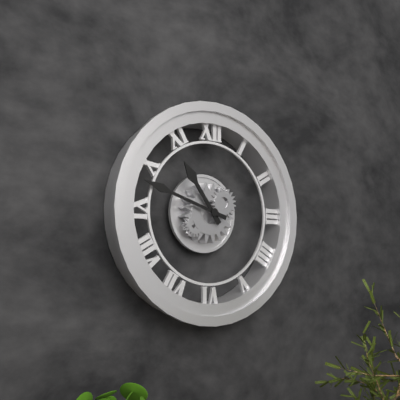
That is 10,48
